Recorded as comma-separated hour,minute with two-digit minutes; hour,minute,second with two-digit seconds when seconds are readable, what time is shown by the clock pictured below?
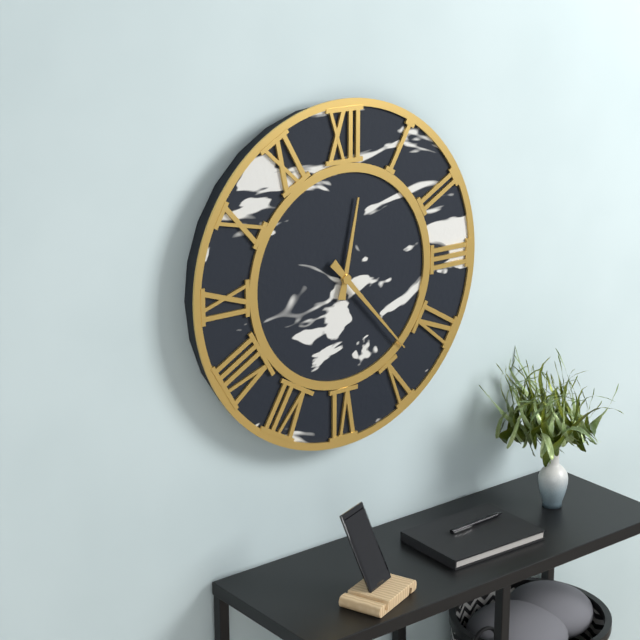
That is 12,23
